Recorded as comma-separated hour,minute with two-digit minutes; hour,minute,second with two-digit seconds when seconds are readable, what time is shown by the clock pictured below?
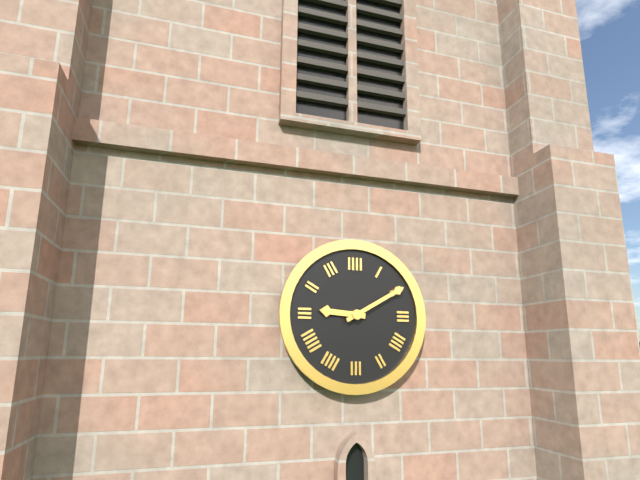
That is 9,10
